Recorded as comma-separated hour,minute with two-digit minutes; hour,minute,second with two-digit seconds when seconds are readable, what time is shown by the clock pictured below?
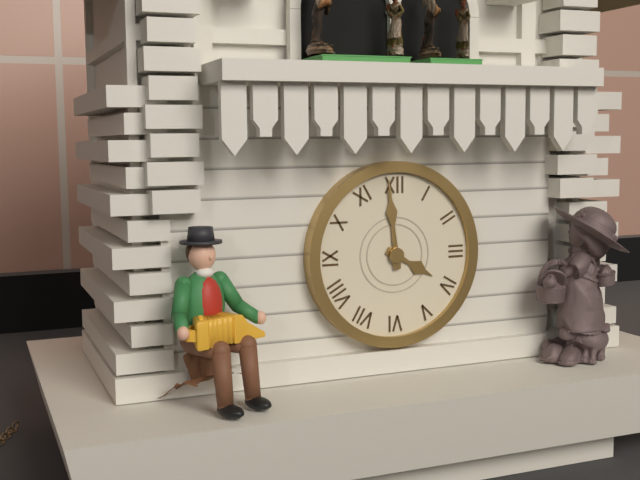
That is 3,59
